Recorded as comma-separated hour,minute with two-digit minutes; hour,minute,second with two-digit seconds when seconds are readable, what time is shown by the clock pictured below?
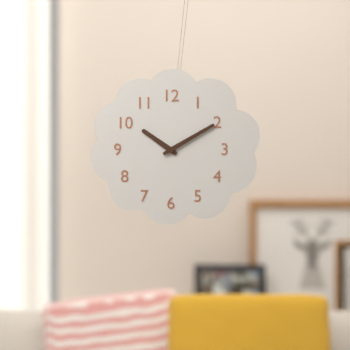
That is 10,10
